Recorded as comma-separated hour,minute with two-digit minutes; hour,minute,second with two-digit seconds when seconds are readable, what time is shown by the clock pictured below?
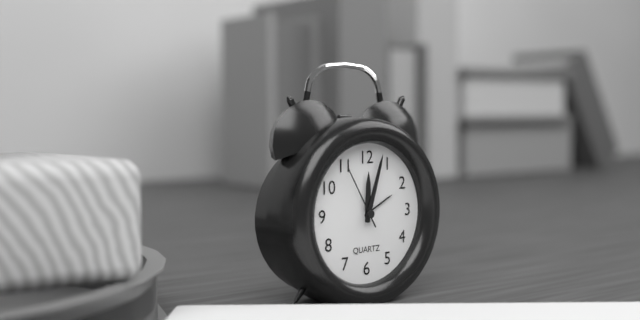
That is 12,03,55
